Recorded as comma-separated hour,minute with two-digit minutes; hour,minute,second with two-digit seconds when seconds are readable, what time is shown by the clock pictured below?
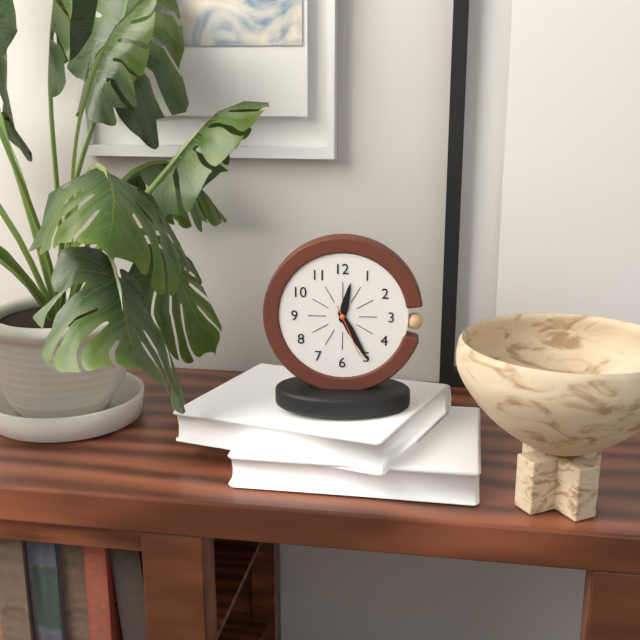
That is 12,25,26
